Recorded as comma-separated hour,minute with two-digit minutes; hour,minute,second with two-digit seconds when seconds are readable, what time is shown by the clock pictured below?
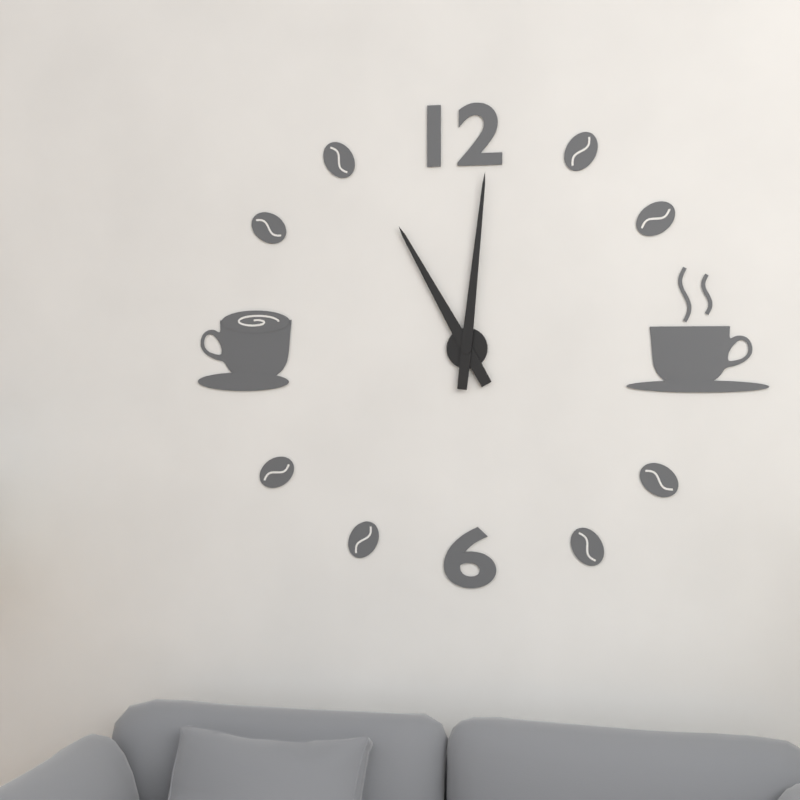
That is 11,01
